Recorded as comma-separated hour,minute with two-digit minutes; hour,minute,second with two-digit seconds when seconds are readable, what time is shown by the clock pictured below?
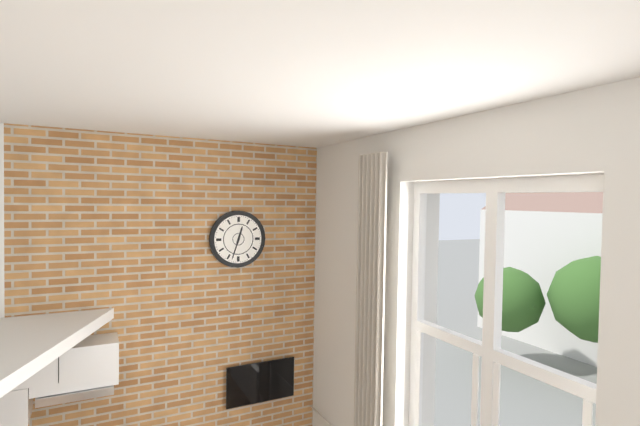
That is 12,33
